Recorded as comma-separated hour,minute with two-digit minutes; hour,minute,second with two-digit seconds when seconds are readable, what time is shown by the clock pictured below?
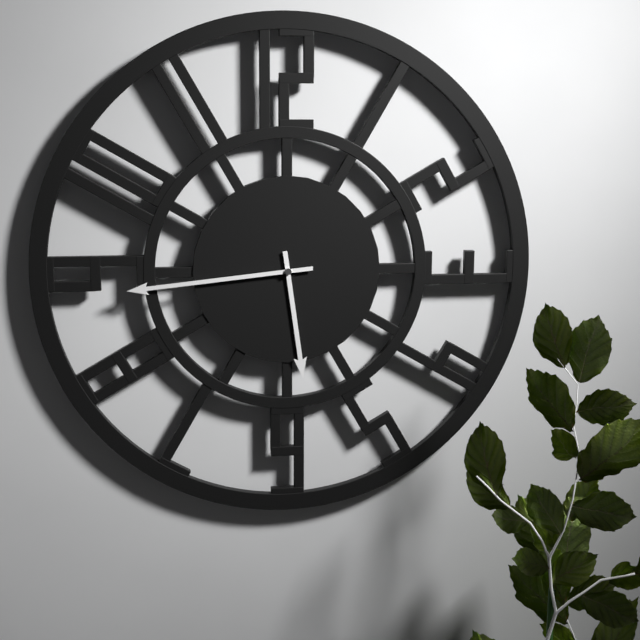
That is 5,44
